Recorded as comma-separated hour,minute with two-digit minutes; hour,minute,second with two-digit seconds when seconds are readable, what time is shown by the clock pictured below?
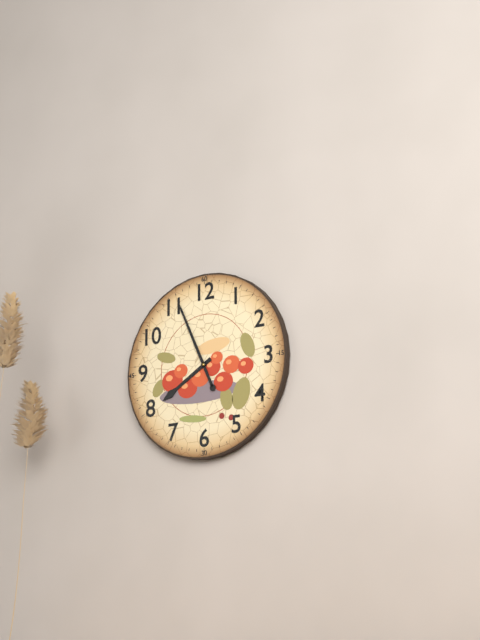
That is 7,56
